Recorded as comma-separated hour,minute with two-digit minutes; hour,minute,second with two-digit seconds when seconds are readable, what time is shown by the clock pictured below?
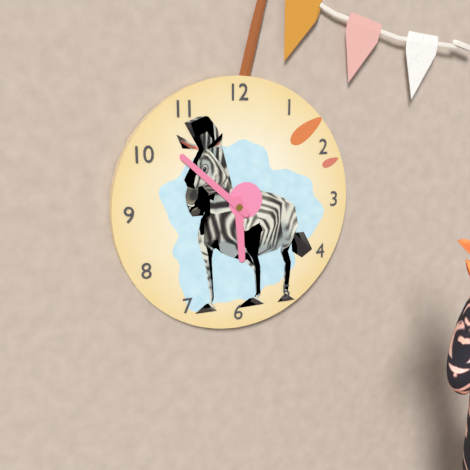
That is 5,52
